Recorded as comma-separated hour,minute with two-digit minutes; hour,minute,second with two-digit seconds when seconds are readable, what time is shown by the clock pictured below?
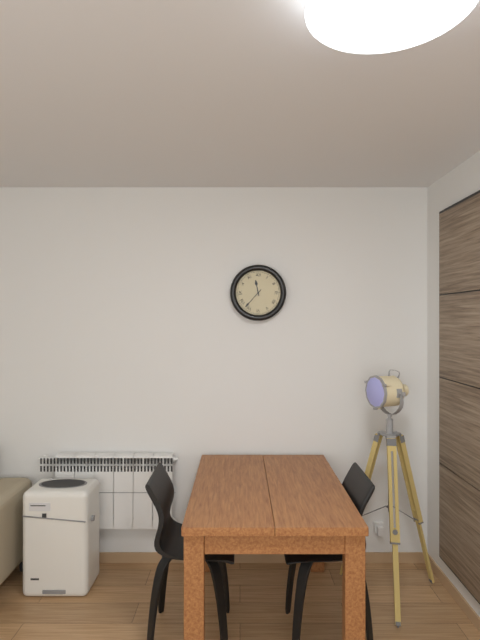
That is 11,37
